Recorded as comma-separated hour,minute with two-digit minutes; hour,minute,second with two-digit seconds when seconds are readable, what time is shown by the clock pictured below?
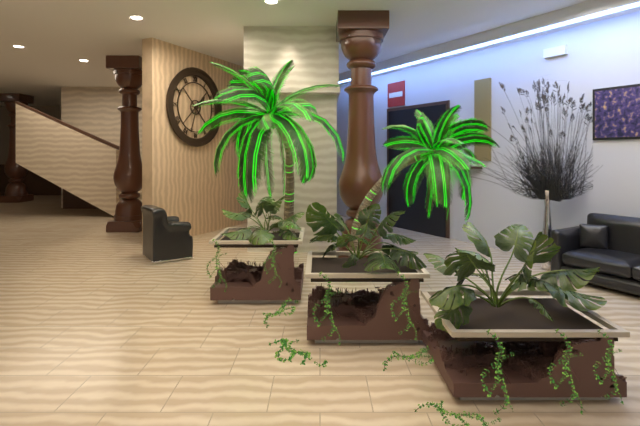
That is 1,33
